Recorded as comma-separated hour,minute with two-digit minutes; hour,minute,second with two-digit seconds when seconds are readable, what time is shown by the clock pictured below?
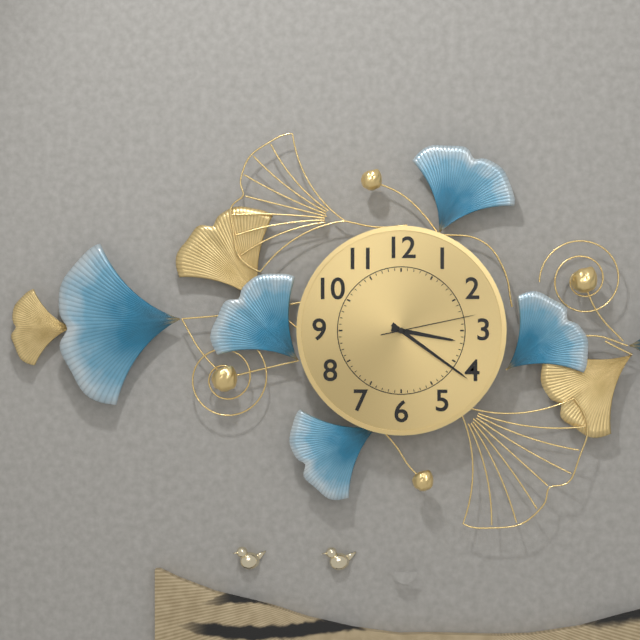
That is 3,21,13
